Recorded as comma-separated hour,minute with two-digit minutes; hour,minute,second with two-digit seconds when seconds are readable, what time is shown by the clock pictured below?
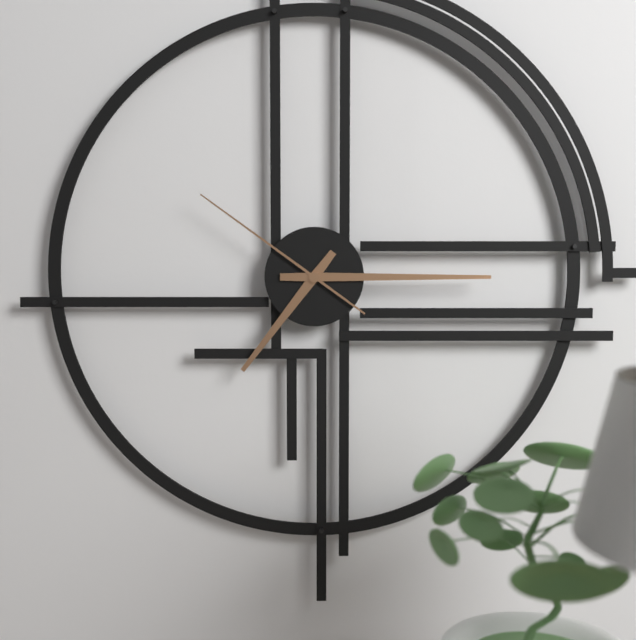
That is 7,15,51
